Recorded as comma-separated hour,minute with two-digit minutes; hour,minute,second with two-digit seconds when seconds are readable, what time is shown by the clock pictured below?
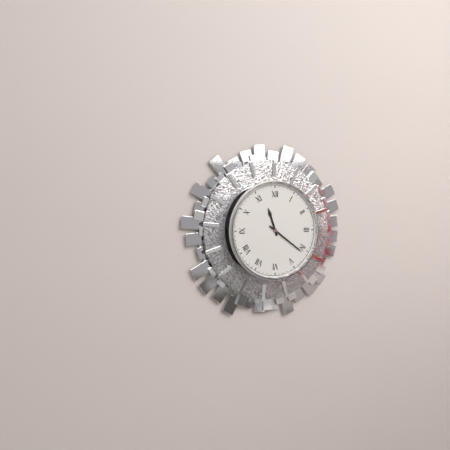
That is 11,21
